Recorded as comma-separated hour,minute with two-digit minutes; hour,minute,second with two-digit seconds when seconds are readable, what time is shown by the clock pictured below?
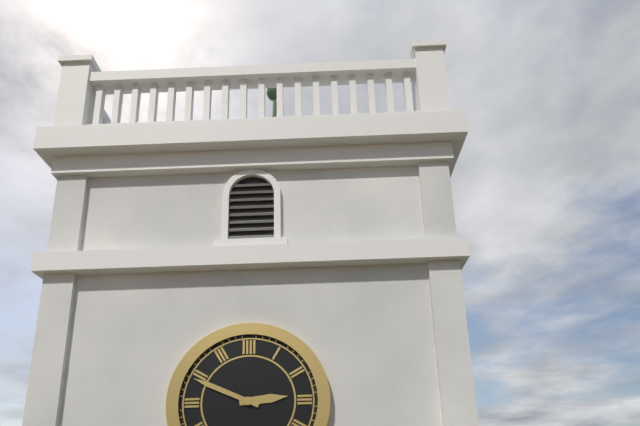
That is 2,49
